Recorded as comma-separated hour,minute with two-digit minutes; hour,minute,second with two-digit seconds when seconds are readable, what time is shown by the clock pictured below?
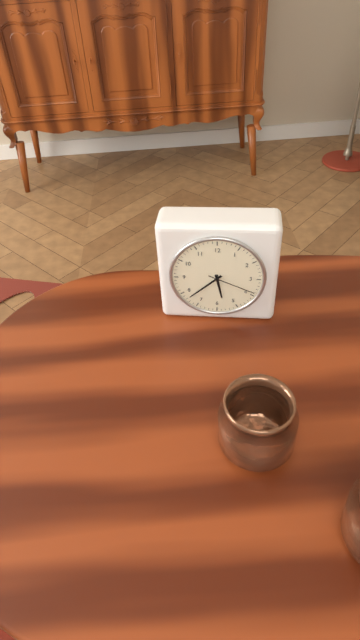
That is 5,38,19
